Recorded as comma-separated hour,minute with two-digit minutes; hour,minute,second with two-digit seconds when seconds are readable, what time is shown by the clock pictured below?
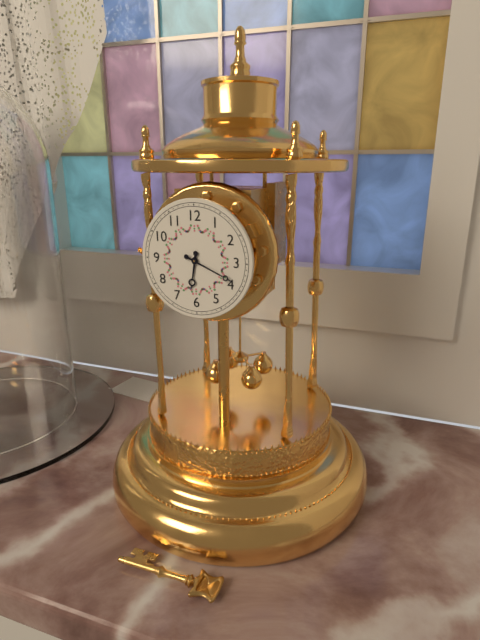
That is 6,19
